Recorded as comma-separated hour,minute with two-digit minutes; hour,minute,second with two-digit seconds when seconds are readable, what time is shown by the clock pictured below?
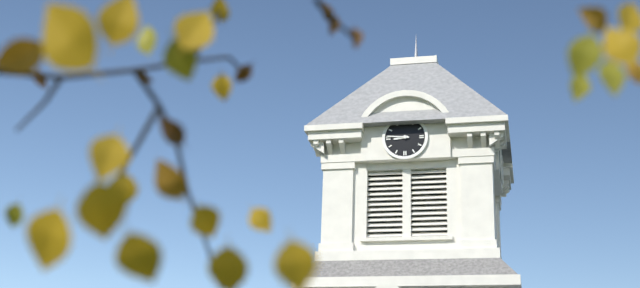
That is 8,46
